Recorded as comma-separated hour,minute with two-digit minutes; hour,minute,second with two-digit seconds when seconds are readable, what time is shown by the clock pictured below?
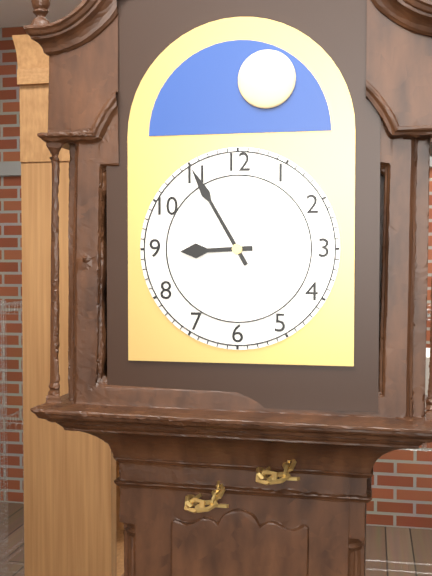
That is 8,55
